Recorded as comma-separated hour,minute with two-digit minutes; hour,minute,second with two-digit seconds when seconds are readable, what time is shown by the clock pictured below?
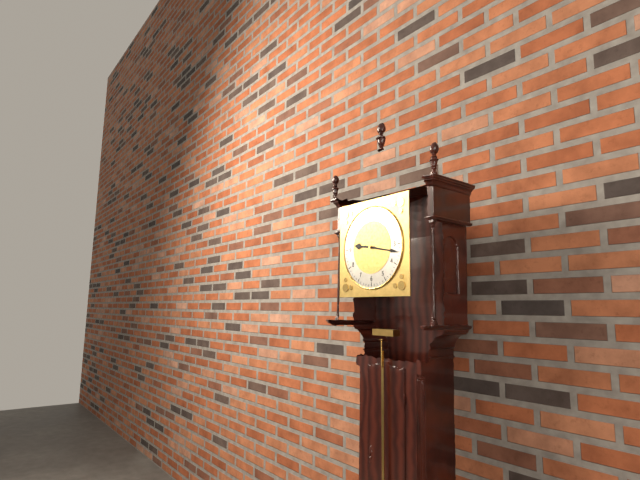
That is 9,17
